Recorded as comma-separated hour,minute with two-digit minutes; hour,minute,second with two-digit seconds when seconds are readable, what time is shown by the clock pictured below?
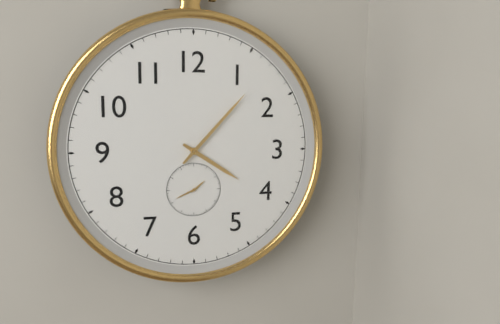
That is 4,07
